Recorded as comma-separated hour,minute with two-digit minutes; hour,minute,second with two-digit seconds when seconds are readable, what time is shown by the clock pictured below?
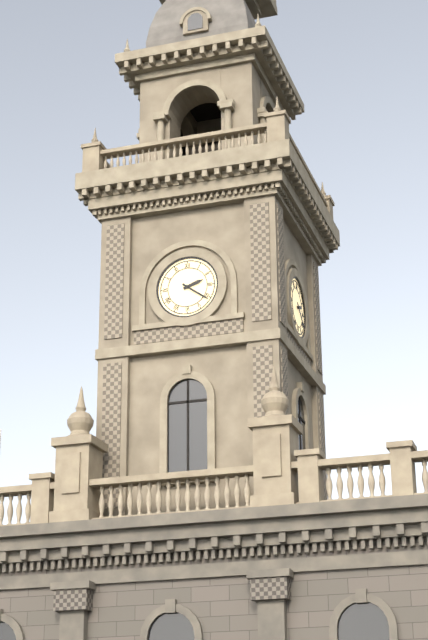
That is 2,21
